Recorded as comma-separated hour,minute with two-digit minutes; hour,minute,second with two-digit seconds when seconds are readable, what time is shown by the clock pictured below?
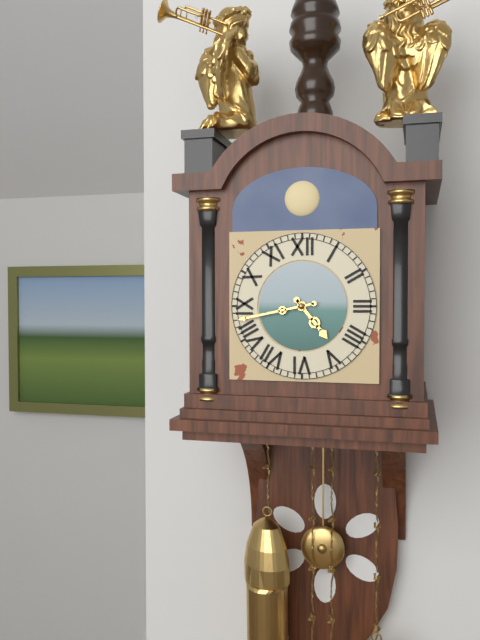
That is 4,43
